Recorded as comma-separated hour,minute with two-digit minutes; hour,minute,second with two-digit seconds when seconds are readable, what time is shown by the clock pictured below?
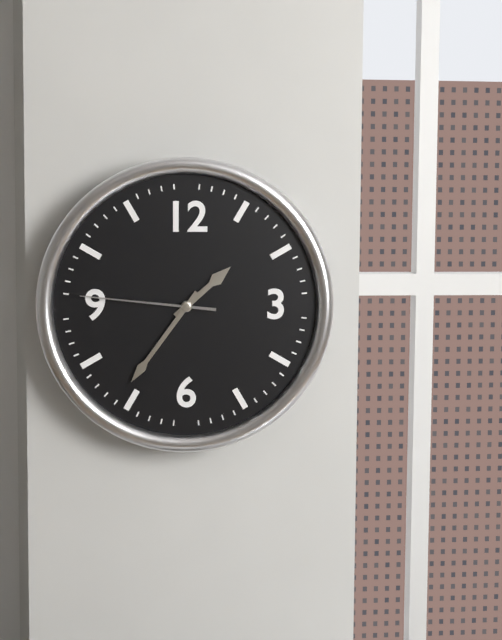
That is 1,36,46
